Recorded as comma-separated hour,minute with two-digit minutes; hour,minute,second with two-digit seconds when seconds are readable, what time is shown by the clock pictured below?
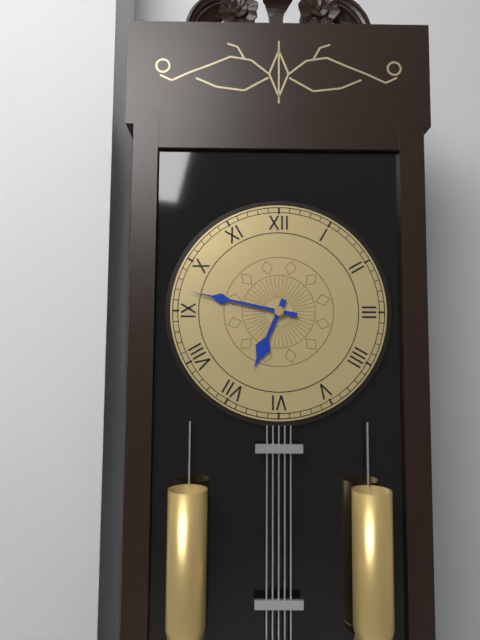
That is 6,47
